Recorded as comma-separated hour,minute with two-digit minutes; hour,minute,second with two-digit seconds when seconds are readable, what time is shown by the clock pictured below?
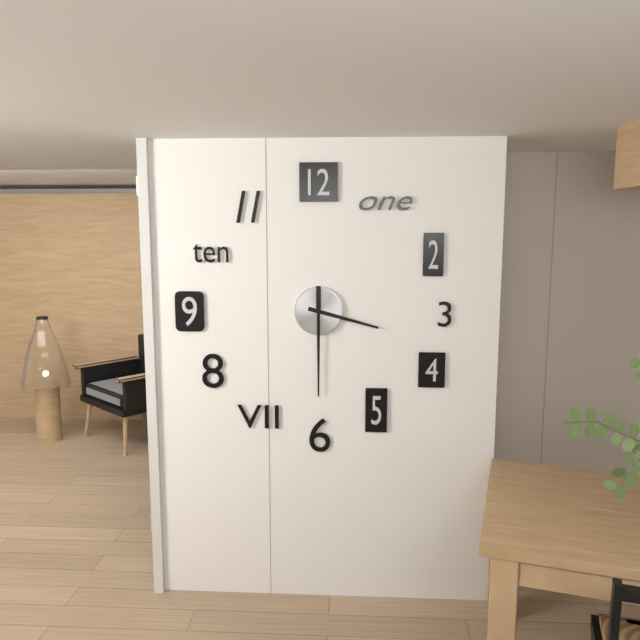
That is 3,30
